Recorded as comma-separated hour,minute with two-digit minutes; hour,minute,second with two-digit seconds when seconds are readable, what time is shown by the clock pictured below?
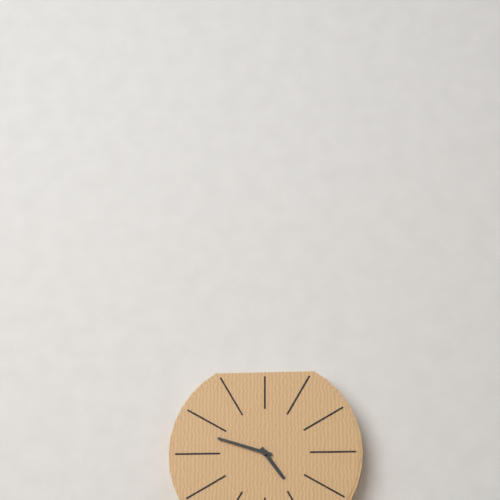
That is 4,48
